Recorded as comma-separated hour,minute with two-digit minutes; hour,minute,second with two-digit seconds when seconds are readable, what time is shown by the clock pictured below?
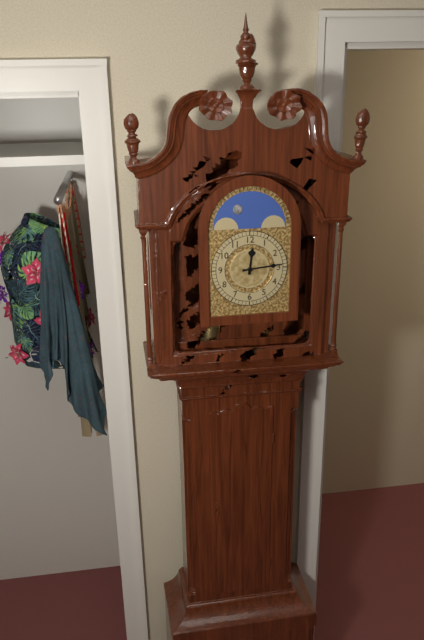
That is 12,14
